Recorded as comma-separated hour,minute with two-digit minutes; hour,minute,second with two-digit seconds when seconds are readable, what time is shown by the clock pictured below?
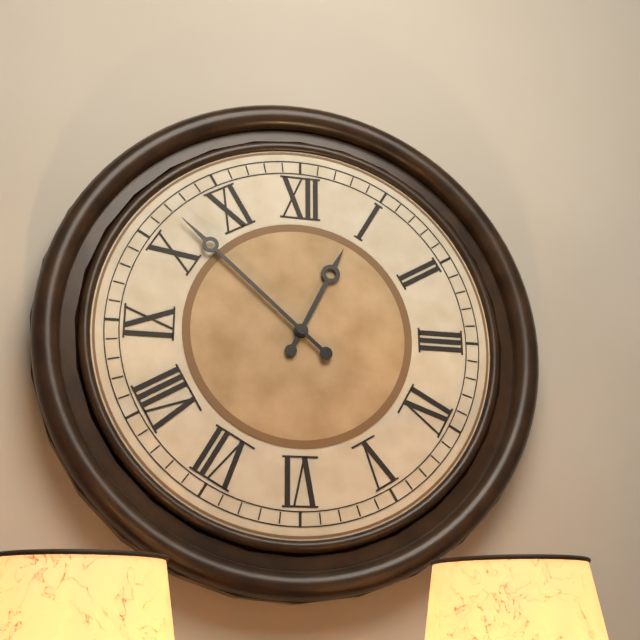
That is 12,52
